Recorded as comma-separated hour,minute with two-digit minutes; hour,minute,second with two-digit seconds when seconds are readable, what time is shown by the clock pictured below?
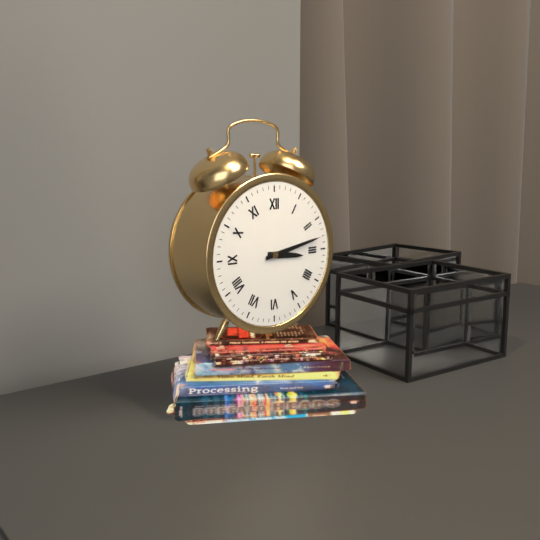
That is 3,13
